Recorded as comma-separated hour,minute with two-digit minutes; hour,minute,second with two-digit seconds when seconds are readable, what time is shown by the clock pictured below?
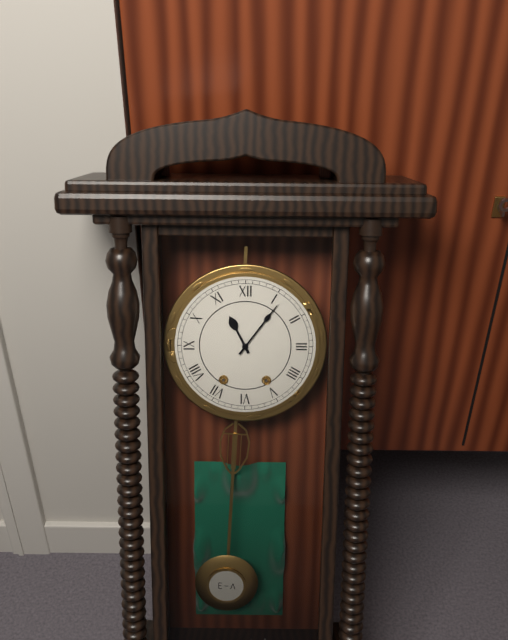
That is 11,06
